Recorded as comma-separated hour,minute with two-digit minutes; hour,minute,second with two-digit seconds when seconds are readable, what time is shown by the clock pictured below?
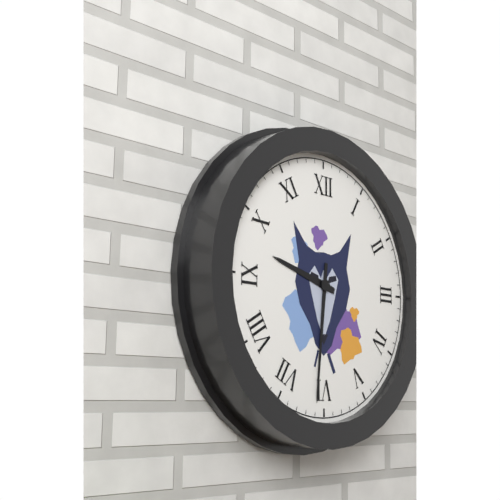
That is 9,31
